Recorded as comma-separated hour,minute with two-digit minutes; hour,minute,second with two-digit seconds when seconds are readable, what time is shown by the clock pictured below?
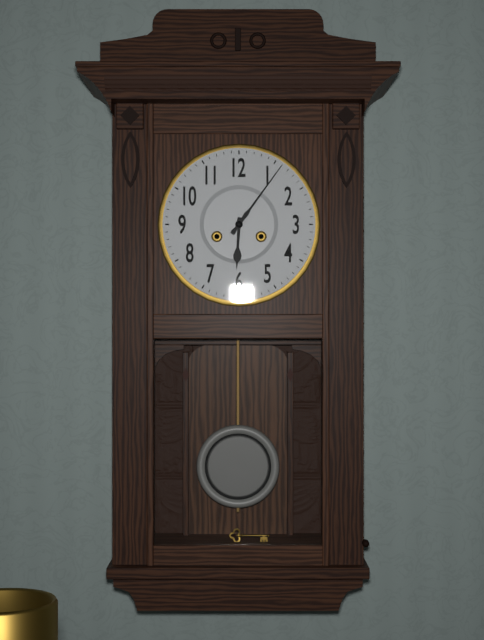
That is 6,06
